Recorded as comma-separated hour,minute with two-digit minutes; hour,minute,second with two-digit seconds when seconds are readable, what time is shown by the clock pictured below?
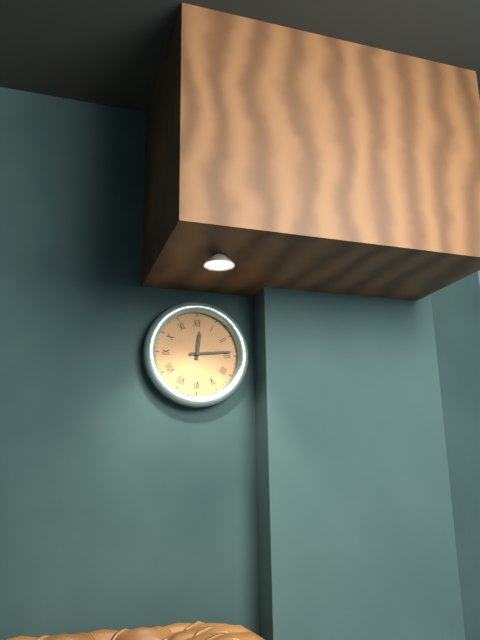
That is 12,14
